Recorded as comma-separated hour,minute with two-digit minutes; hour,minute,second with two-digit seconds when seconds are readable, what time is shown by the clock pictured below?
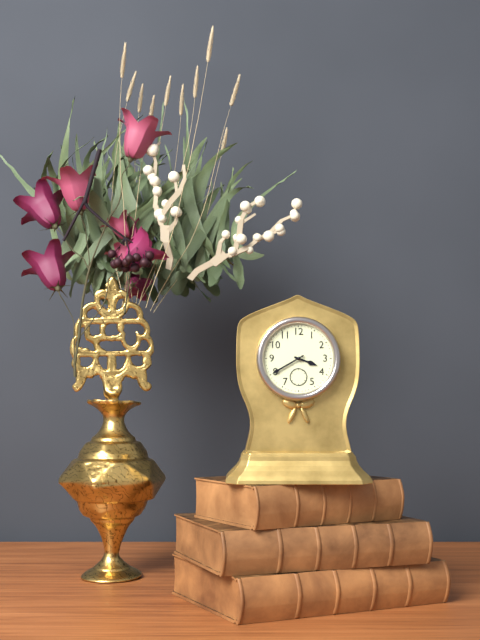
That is 3,40
